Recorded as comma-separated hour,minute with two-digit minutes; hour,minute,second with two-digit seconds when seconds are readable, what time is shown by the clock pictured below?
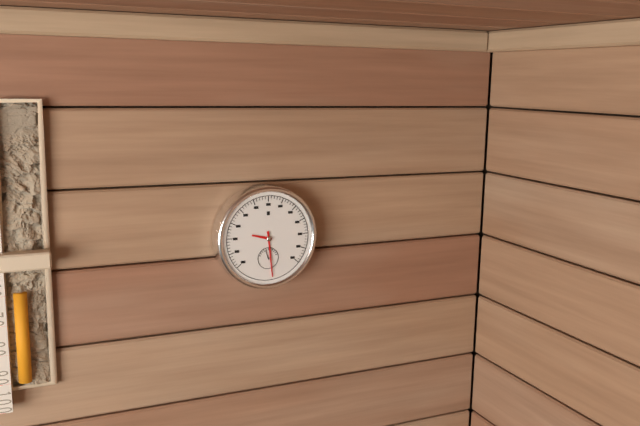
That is 9,29
